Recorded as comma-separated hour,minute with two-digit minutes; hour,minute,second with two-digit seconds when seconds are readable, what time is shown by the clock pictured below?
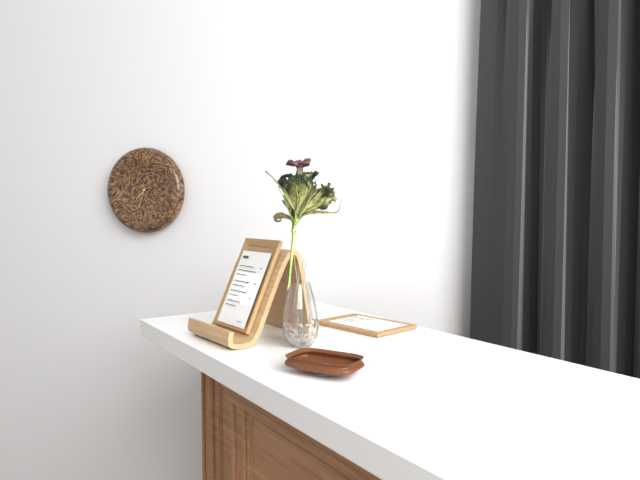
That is 7,33
